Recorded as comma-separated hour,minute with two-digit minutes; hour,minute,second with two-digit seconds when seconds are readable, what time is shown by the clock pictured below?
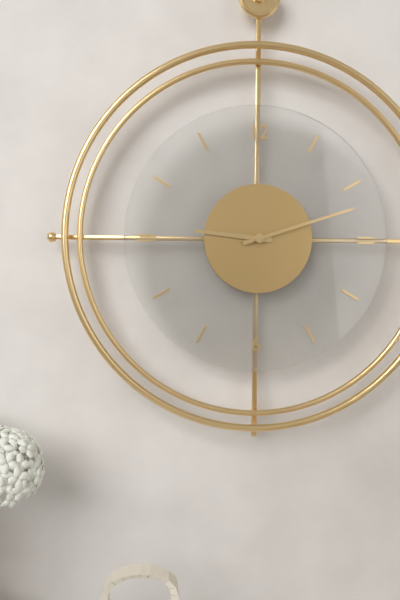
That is 9,12
